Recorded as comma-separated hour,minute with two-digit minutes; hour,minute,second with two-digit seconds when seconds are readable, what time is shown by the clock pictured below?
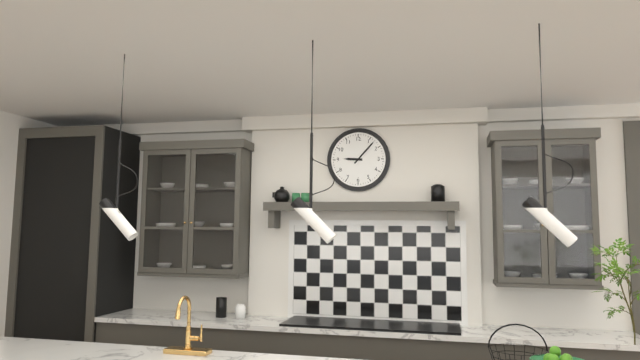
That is 9,07
